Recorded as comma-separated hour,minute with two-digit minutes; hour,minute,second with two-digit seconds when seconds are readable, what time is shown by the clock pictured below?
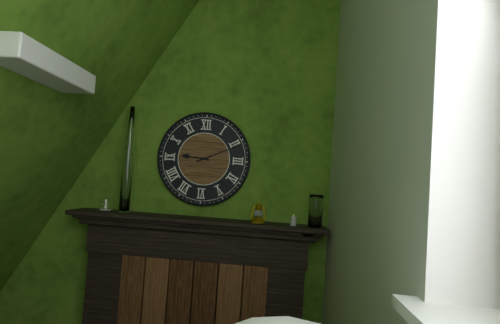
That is 9,11
